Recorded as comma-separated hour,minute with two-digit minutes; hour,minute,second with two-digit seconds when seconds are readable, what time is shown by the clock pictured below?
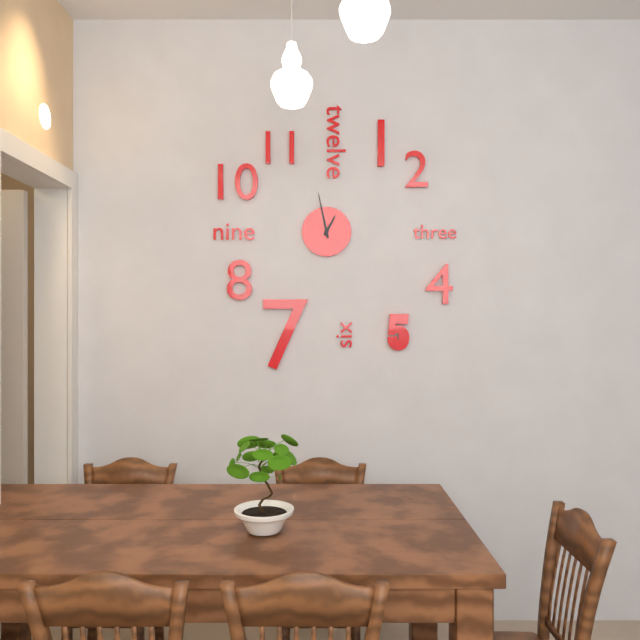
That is 12,58
